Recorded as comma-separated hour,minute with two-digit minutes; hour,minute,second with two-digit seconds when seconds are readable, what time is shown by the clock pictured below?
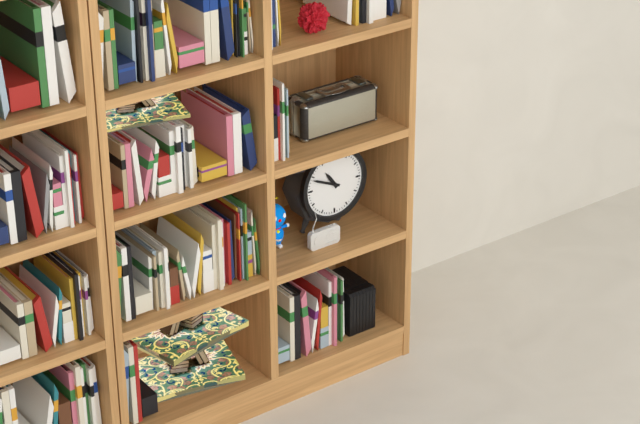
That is 10,49
